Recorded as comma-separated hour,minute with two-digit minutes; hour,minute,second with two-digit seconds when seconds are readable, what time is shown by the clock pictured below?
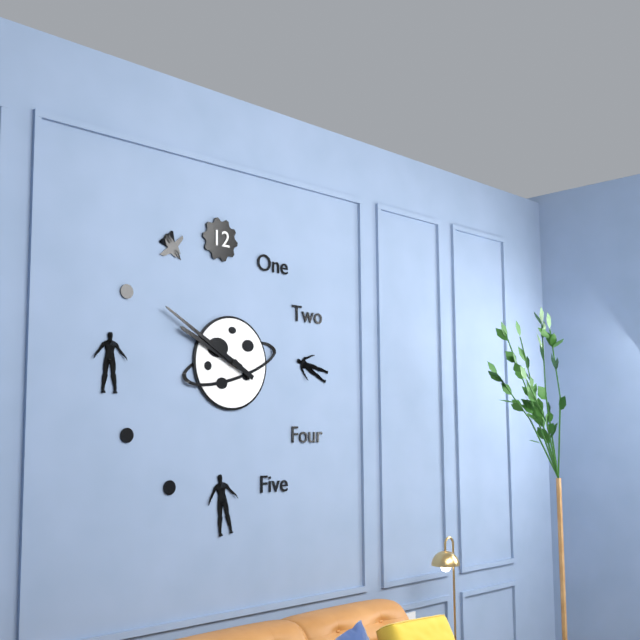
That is 9,50
